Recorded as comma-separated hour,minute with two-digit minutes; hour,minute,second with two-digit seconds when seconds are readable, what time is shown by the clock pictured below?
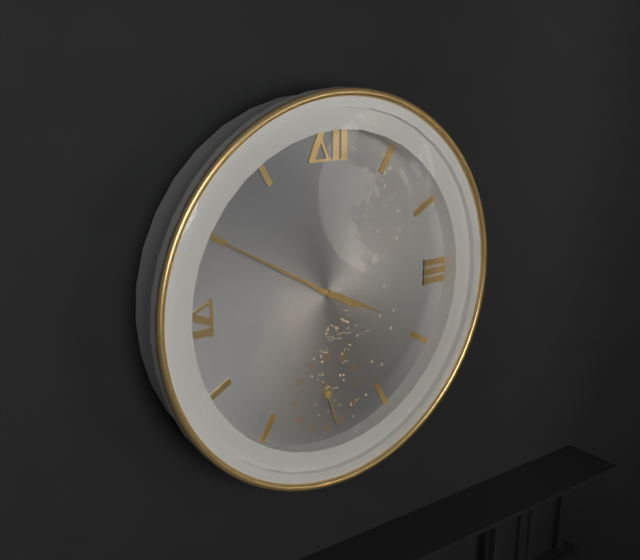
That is 3,50,27
